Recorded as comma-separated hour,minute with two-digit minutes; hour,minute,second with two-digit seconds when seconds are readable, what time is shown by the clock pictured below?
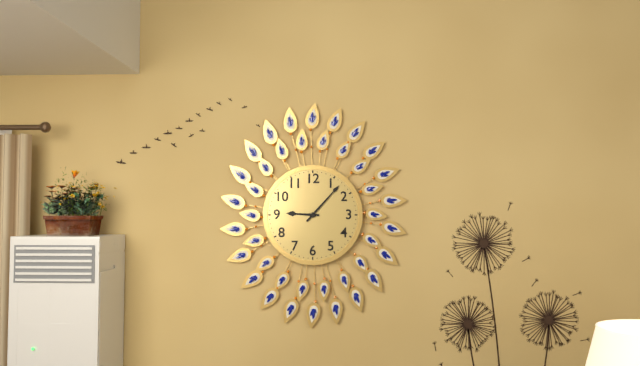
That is 9,07
